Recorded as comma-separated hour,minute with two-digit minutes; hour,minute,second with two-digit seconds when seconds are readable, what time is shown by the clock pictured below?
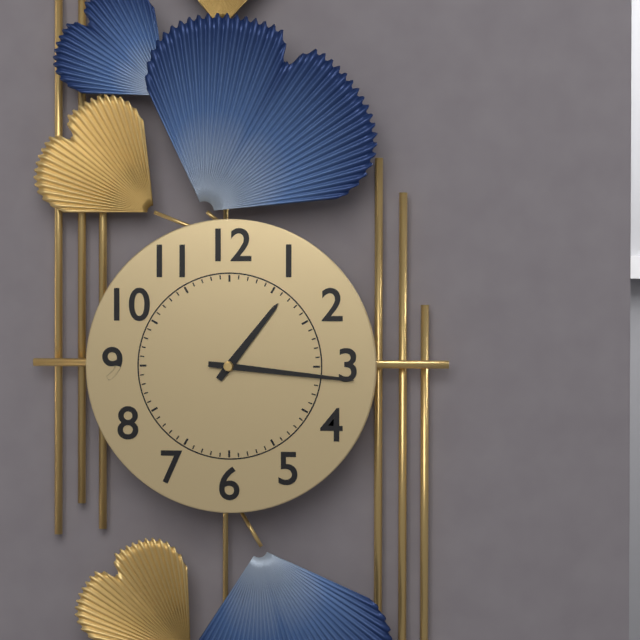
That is 1,16
